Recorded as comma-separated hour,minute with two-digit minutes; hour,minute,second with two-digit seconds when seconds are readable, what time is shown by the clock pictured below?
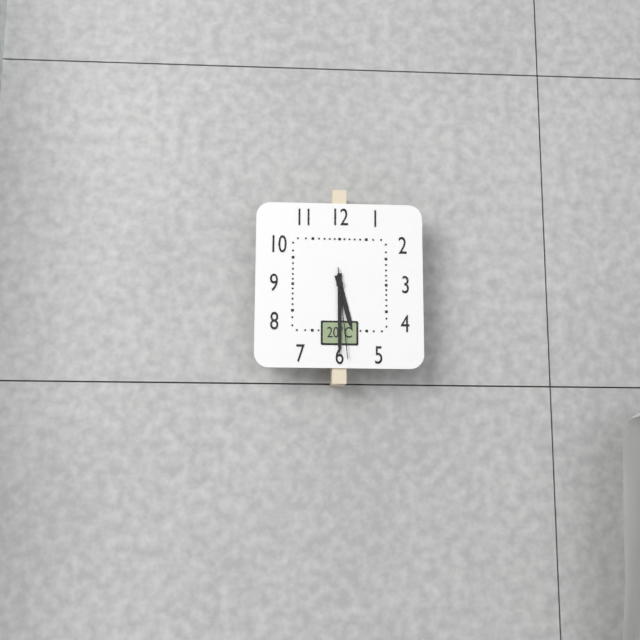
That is 5,30,29
